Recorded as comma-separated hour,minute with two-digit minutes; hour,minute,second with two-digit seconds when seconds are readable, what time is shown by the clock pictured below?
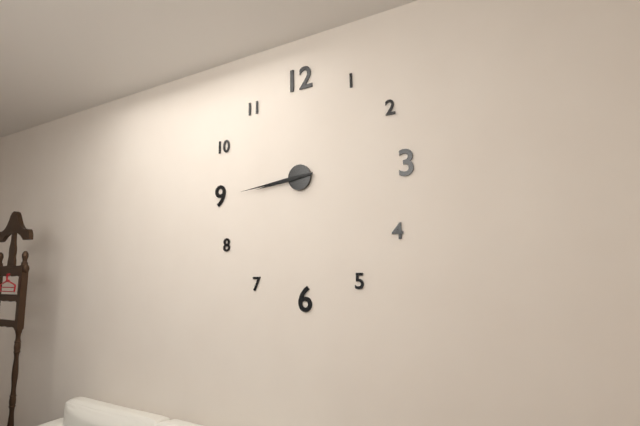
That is 8,44
